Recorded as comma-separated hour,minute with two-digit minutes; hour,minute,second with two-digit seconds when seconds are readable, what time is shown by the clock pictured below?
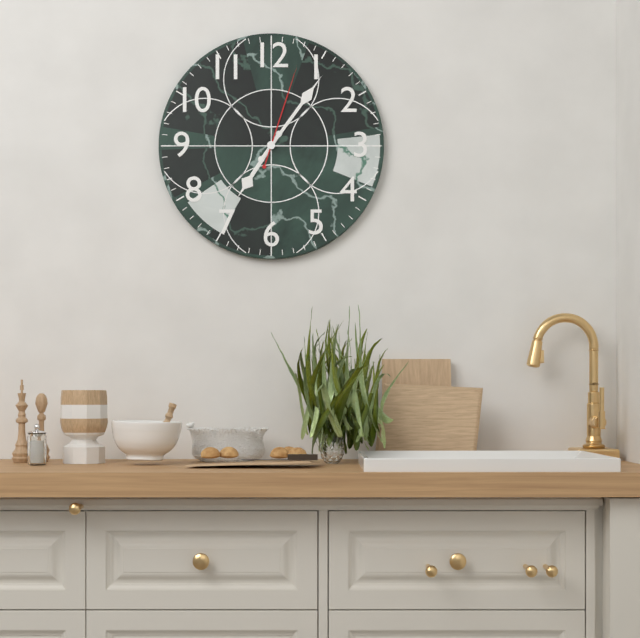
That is 7,06,03
